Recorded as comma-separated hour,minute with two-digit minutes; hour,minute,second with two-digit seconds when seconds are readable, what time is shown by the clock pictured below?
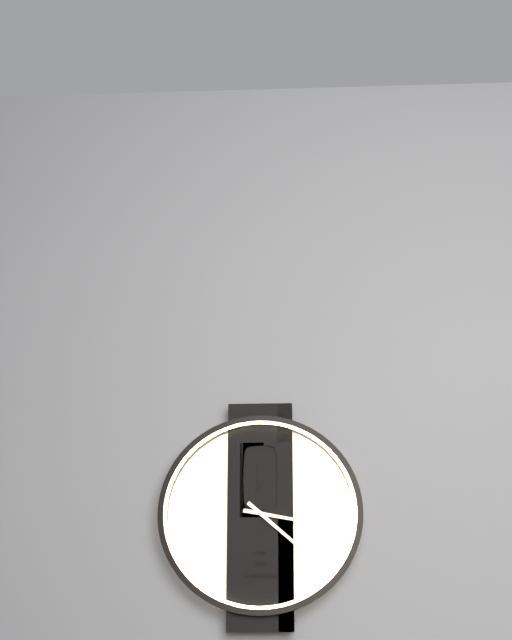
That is 3,22
